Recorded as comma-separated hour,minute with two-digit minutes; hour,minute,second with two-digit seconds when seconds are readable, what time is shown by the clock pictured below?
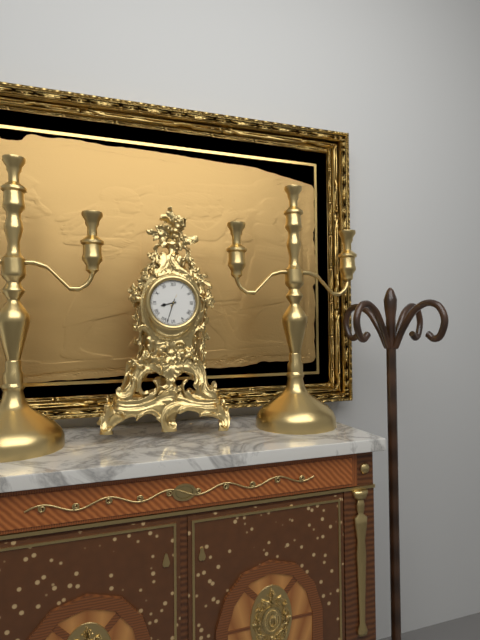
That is 8,33
